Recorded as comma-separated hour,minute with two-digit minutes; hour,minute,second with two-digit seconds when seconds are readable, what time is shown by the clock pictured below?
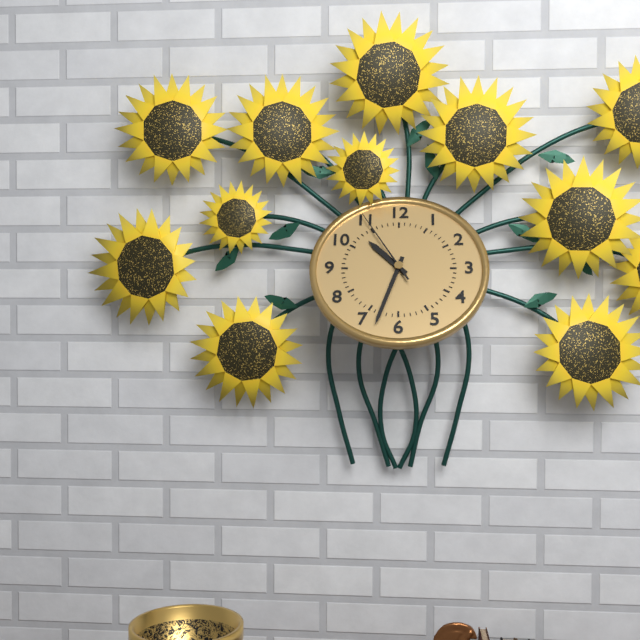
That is 10,33,55
